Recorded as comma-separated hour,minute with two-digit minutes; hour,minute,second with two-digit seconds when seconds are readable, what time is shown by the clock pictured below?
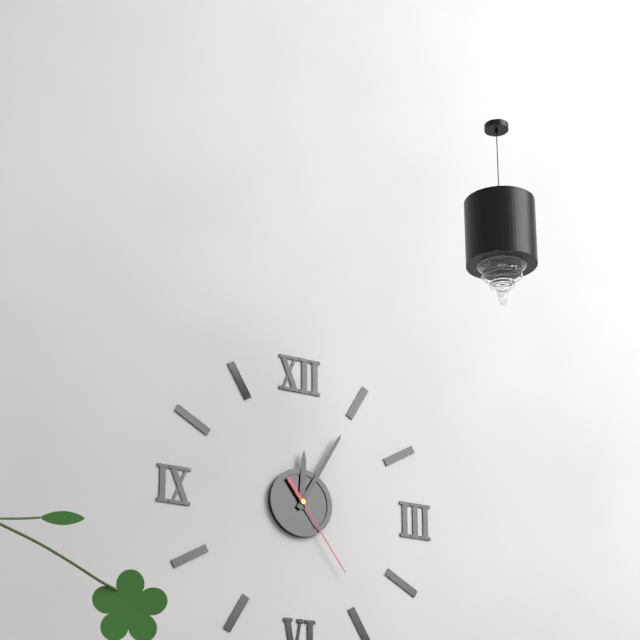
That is 12,05,24
